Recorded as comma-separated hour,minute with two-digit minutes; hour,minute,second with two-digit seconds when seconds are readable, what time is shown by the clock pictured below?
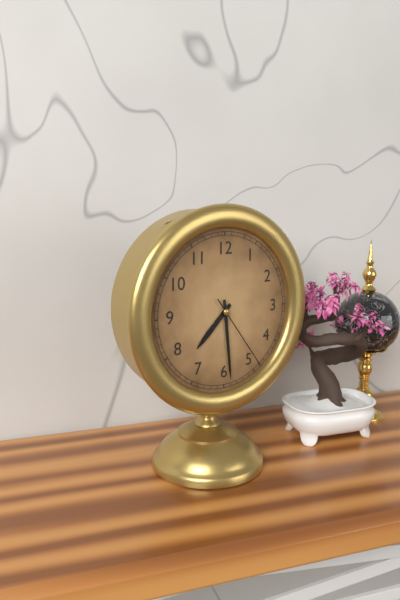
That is 7,29,24
